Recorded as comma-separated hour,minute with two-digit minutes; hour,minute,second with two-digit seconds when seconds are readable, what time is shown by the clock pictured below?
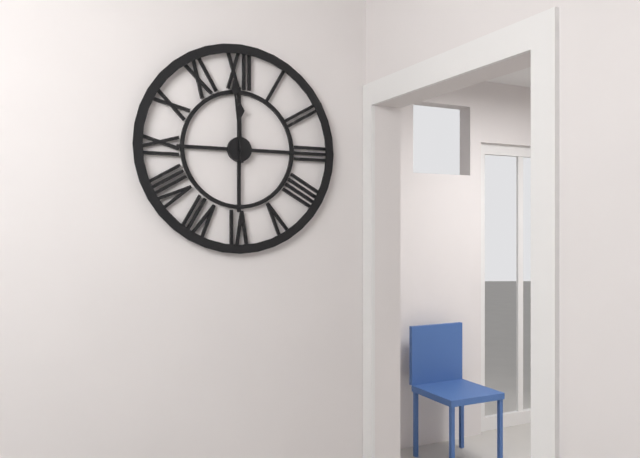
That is 11,59
